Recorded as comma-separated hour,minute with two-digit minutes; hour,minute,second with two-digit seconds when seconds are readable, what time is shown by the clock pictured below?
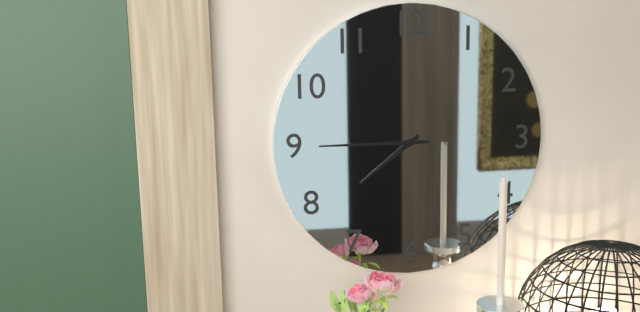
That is 7,45
